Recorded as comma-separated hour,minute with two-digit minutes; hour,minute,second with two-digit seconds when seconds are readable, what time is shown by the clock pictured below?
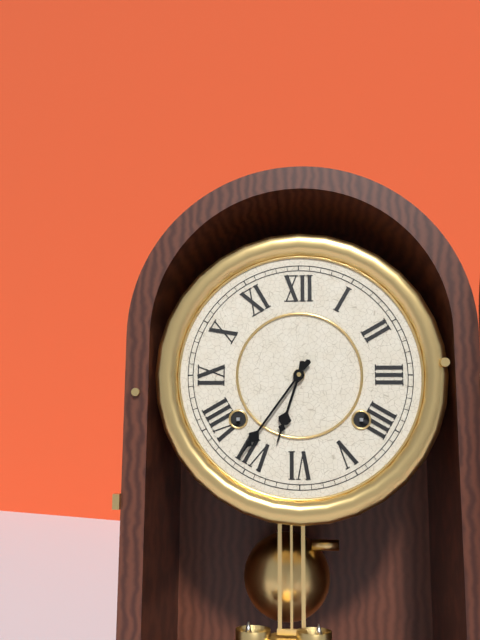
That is 6,36
